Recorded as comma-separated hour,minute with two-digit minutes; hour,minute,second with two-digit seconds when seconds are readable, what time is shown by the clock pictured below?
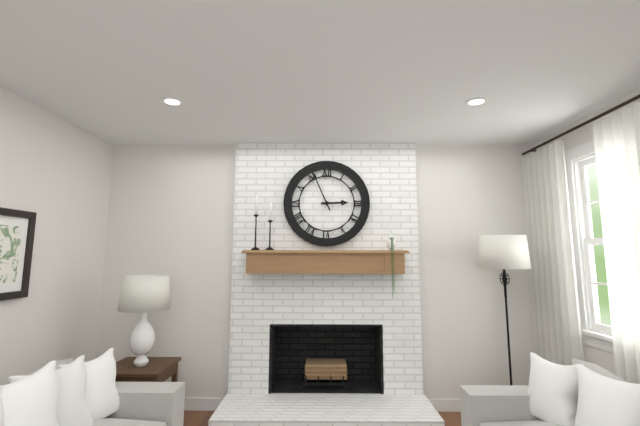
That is 2,56
